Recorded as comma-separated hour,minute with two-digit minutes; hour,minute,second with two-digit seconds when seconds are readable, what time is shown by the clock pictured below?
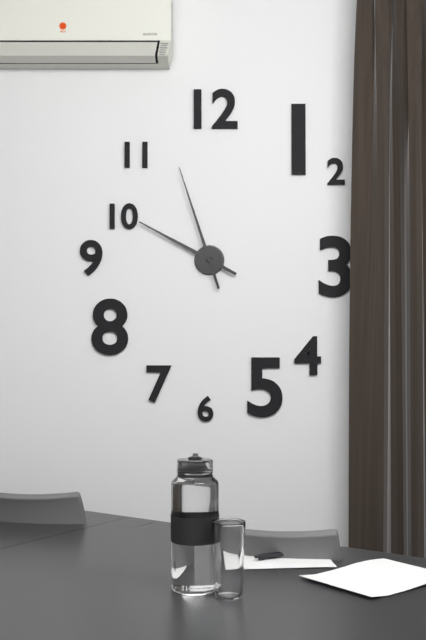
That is 9,57
